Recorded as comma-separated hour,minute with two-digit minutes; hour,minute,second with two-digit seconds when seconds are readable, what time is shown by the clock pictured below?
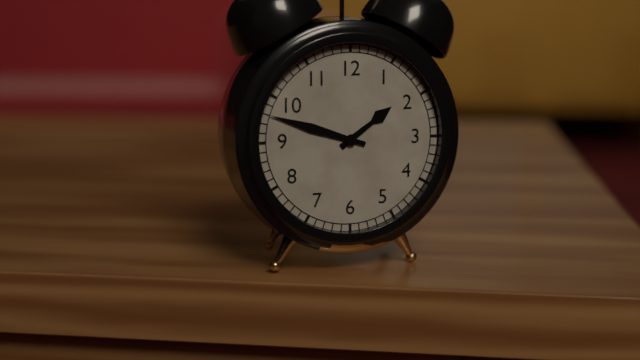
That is 1,48
